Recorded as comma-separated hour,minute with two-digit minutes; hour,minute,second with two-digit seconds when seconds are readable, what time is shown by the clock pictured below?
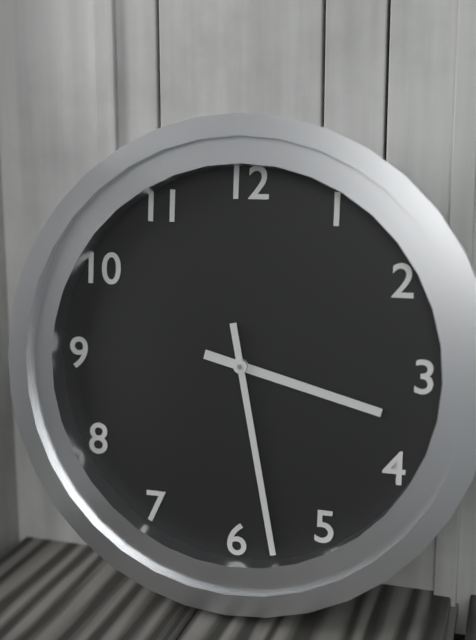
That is 3,28
